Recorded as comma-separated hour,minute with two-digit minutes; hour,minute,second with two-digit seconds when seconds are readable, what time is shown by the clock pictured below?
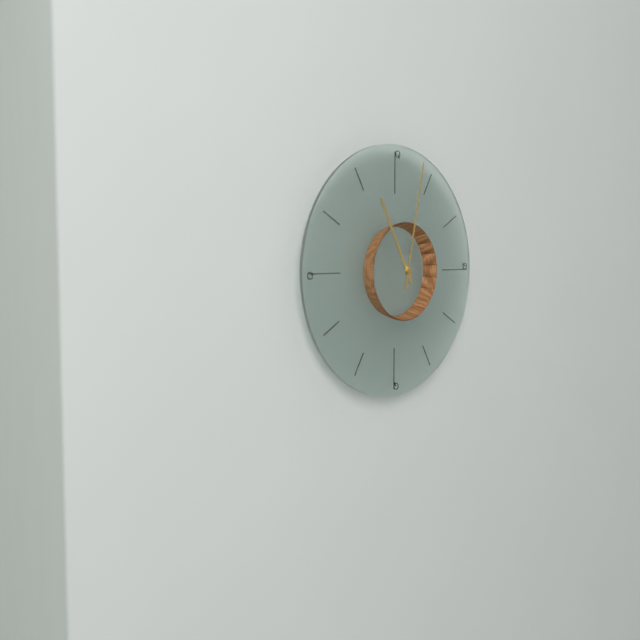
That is 11,02
